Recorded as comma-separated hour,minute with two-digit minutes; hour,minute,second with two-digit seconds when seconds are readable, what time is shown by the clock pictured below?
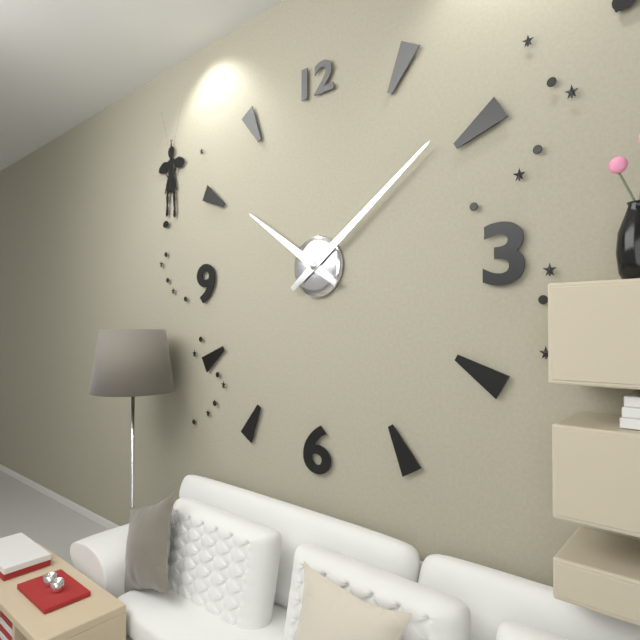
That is 10,09
